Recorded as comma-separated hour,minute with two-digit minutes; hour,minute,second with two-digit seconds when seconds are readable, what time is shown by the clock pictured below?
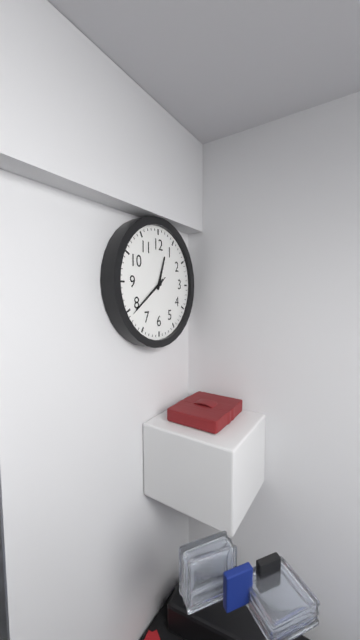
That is 12,39
